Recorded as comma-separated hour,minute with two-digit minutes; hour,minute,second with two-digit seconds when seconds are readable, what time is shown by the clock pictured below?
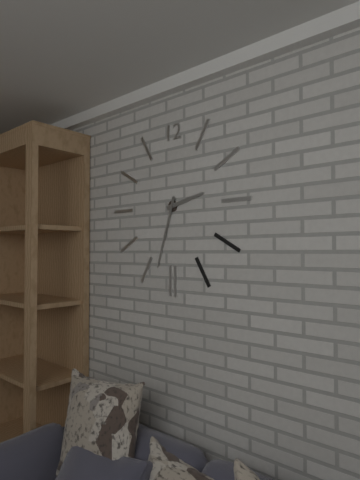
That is 2,33
